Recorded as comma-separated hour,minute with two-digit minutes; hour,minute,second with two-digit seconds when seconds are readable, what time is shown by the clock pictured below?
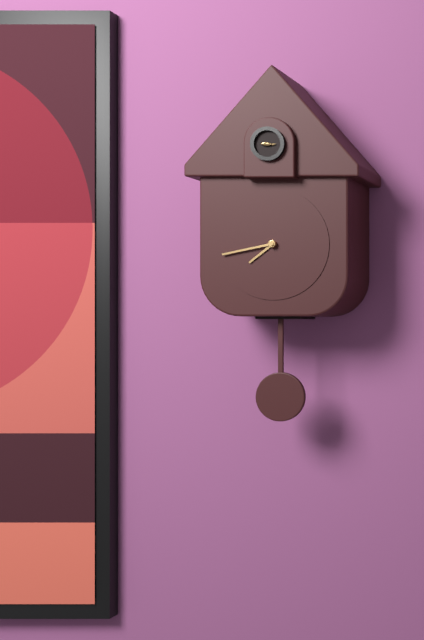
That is 7,43
